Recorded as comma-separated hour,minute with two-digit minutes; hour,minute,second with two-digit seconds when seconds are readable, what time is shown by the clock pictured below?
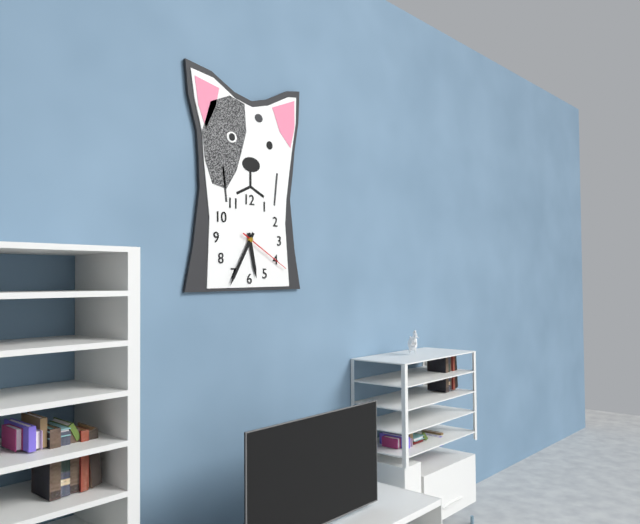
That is 5,35,20
